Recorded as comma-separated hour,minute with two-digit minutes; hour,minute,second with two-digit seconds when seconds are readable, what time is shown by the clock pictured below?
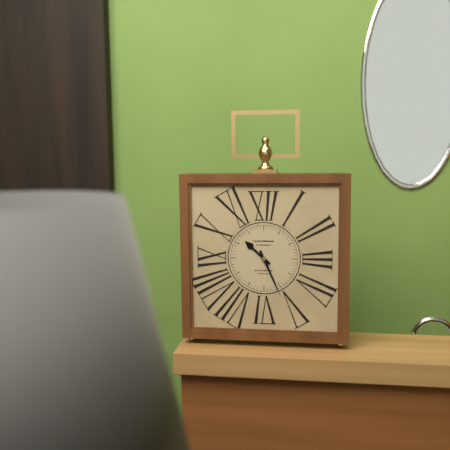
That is 10,26
